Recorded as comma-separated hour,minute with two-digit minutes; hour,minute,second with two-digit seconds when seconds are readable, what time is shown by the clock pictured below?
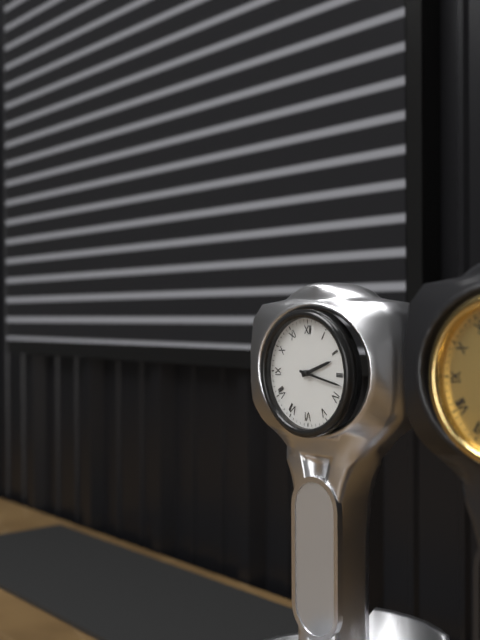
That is 2,17
